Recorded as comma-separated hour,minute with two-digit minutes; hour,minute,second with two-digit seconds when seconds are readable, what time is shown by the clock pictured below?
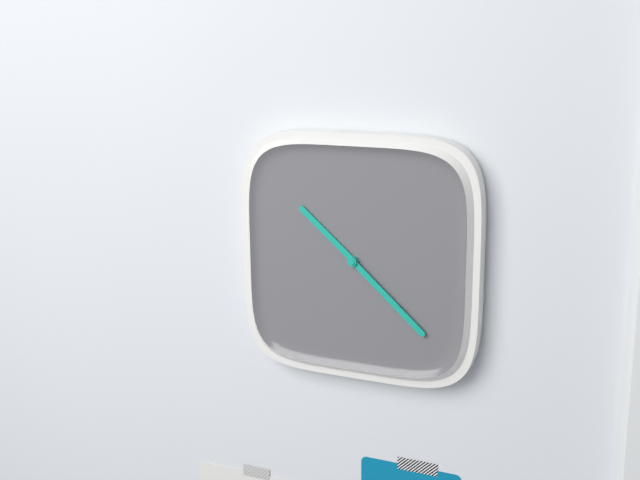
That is 10,22
